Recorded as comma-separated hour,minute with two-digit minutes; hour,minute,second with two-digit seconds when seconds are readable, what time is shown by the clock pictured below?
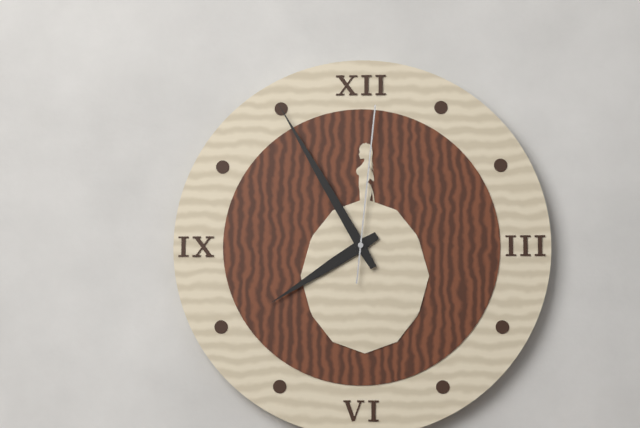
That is 7,55,01
